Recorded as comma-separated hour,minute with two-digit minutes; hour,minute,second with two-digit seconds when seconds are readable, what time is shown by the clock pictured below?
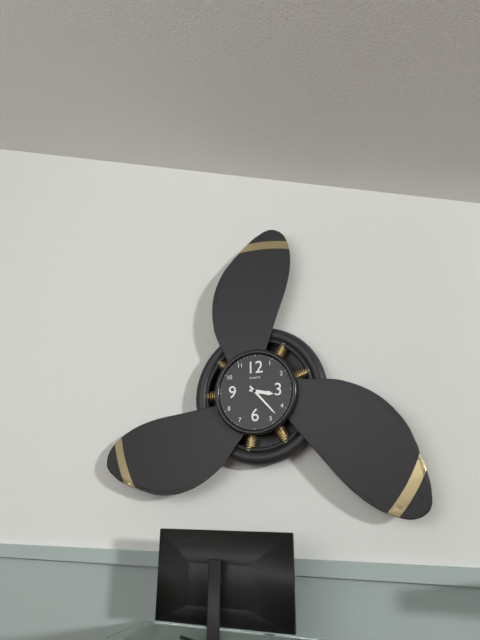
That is 3,23
